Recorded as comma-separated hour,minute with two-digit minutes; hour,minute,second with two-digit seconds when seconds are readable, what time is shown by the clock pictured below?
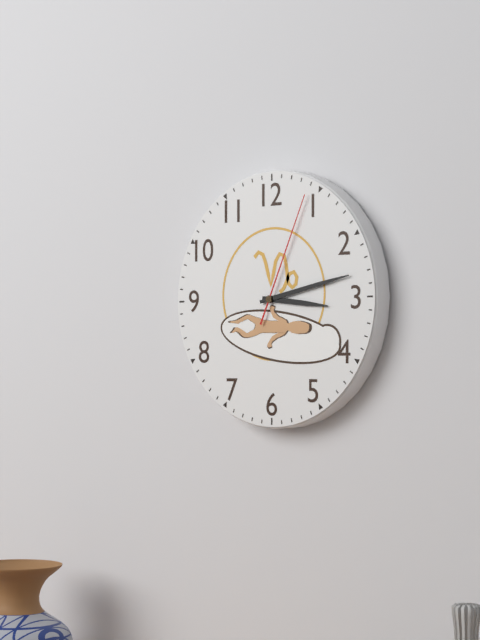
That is 3,13,04
